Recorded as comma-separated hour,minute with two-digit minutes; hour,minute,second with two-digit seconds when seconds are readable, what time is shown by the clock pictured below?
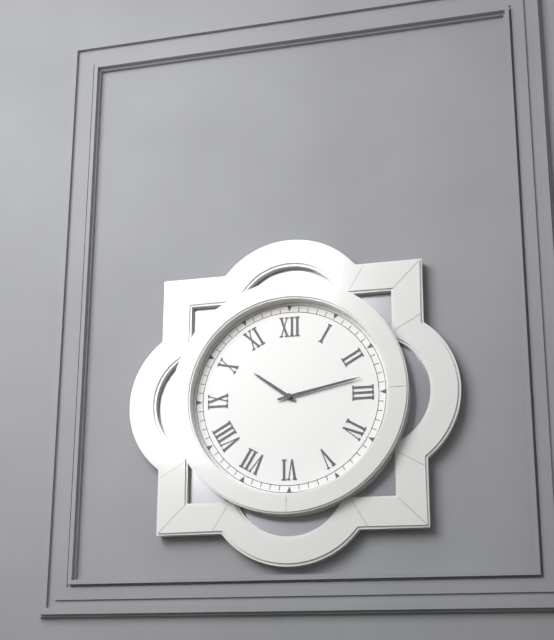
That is 10,13
